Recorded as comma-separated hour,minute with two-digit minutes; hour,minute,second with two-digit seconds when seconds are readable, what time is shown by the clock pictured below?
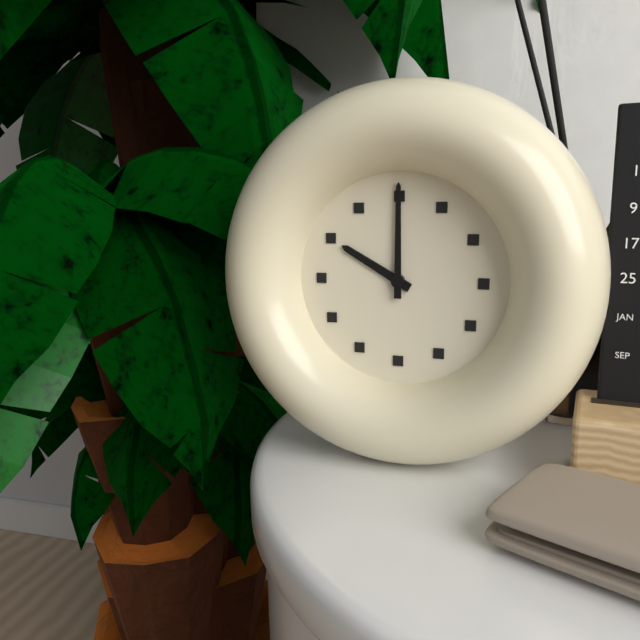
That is 10,00
